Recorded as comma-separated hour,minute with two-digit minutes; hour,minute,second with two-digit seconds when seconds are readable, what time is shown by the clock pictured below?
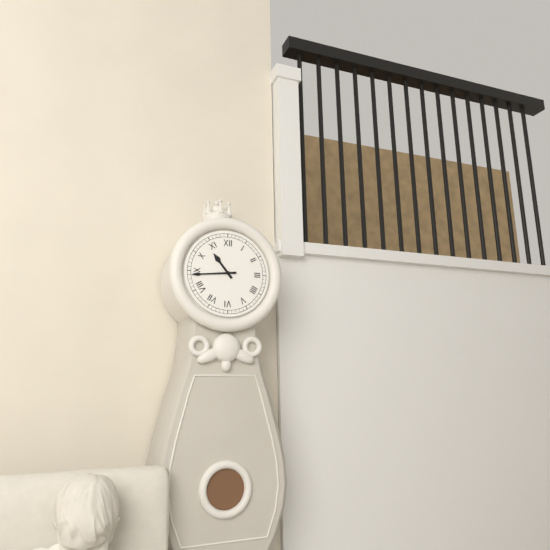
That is 10,44
